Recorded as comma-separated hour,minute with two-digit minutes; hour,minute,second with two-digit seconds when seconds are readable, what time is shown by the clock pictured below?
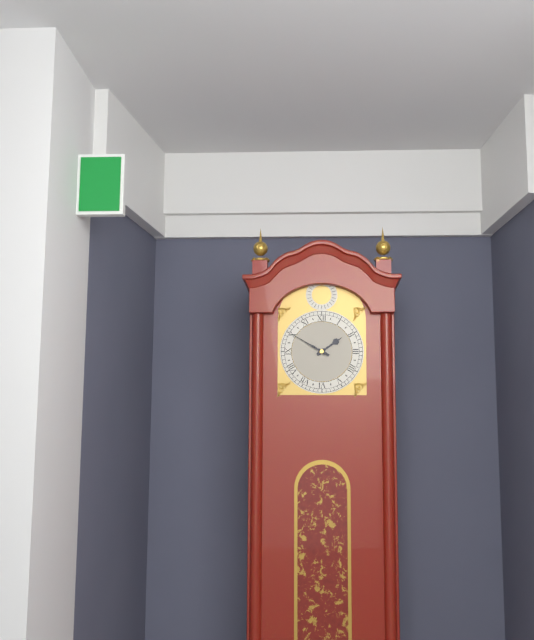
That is 1,50
